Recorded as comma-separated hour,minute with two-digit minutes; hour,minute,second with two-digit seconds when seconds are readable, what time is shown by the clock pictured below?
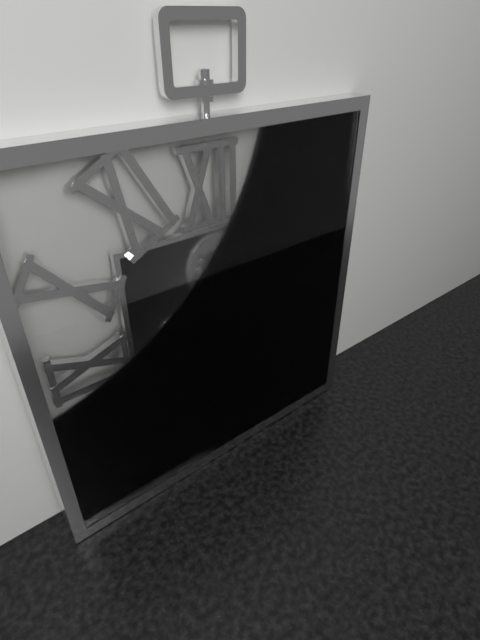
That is 6,11
